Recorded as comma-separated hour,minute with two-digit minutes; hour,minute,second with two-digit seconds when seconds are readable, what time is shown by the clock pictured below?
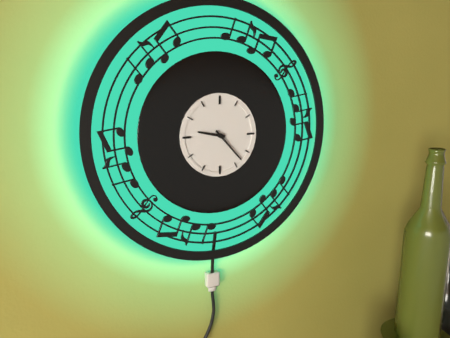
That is 9,23
